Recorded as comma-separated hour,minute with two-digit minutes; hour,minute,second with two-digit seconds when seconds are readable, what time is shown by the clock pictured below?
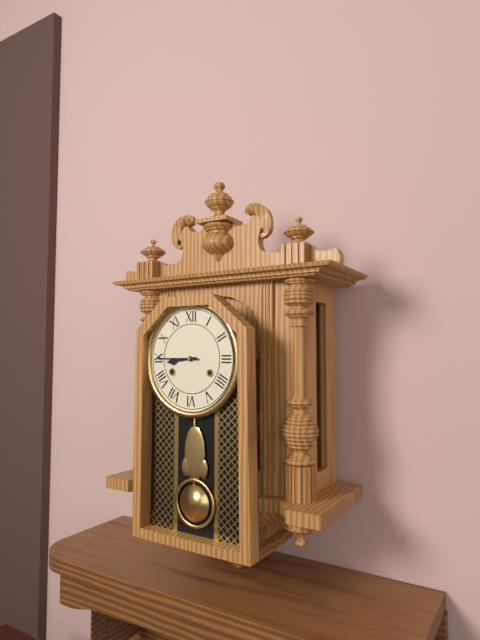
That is 8,45
